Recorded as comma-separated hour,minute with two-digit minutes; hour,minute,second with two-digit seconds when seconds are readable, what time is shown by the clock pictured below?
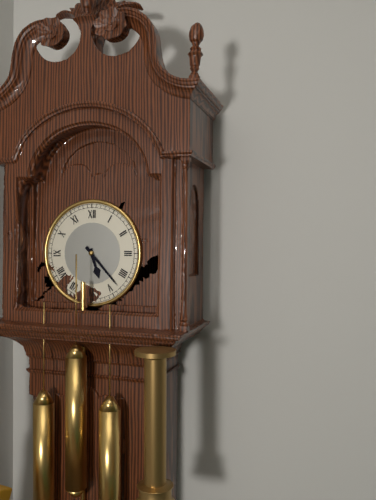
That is 5,23
